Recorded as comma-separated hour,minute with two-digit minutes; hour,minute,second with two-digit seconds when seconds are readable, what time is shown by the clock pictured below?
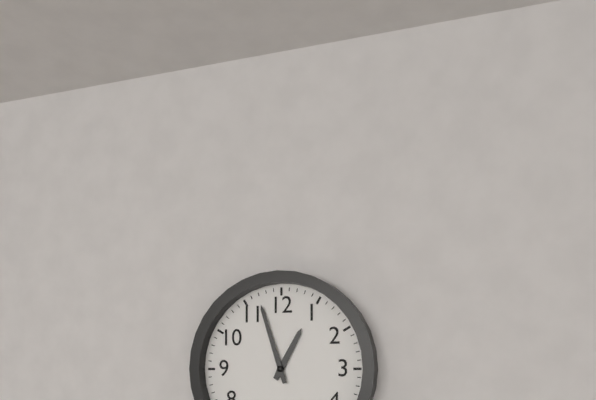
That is 12,57
